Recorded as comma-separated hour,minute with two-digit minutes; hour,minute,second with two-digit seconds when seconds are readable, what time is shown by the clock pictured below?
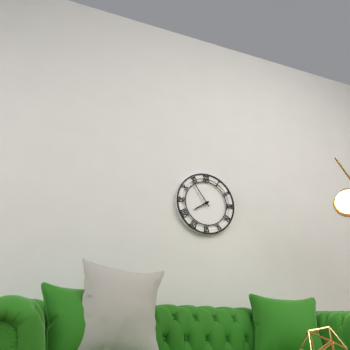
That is 7,54
